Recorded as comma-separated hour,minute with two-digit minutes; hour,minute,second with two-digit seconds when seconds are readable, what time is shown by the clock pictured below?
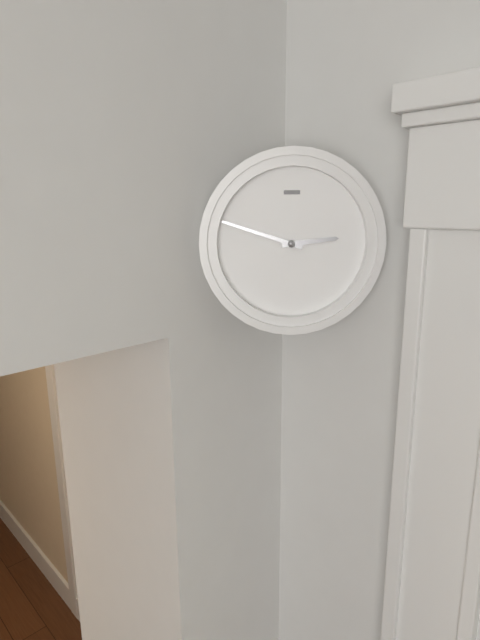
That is 2,48
